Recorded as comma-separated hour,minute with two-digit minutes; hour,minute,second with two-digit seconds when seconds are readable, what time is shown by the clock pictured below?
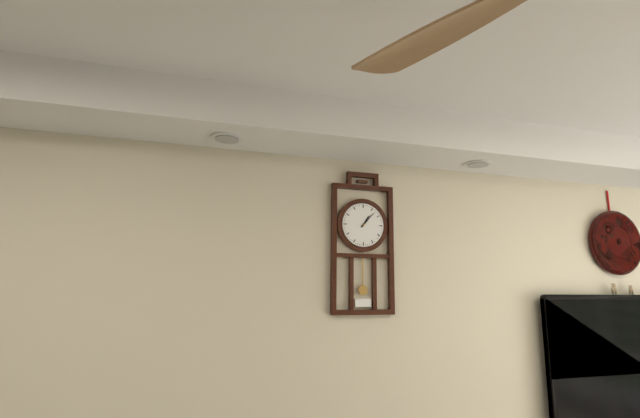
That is 1,07
